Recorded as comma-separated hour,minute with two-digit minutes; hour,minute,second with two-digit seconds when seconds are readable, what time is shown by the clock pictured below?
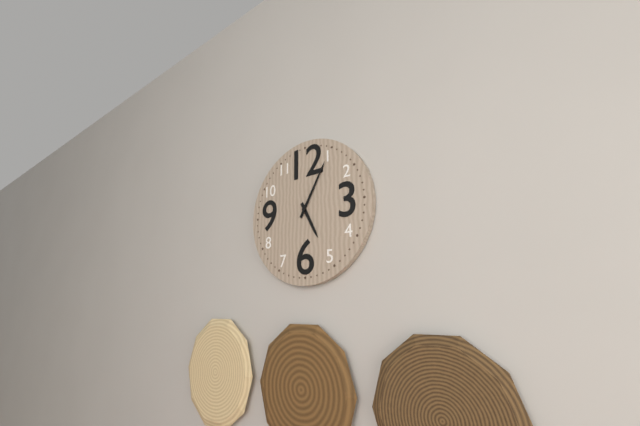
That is 5,05
